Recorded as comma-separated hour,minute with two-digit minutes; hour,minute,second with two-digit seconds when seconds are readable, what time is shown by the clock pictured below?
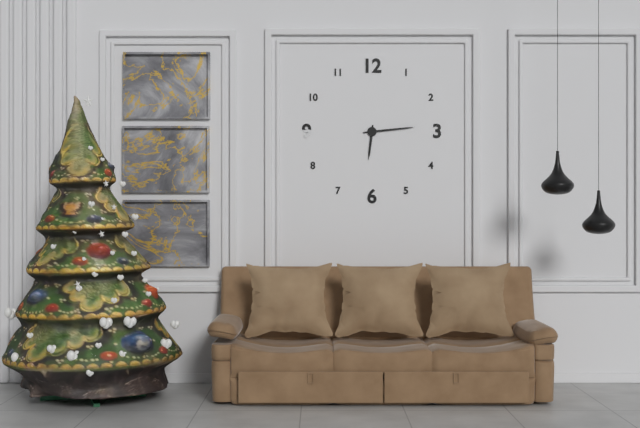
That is 6,14
